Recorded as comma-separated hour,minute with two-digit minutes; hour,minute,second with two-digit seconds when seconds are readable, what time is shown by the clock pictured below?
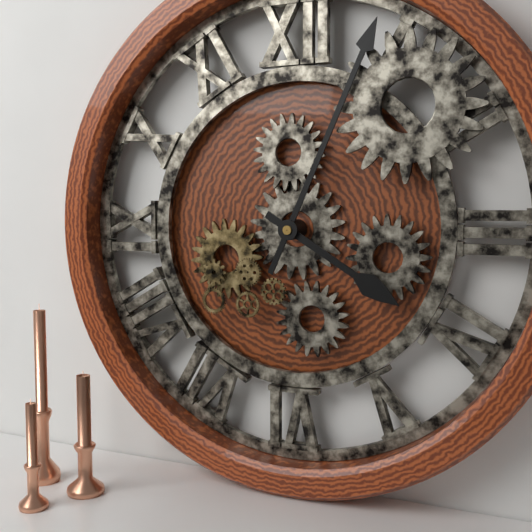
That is 4,04
